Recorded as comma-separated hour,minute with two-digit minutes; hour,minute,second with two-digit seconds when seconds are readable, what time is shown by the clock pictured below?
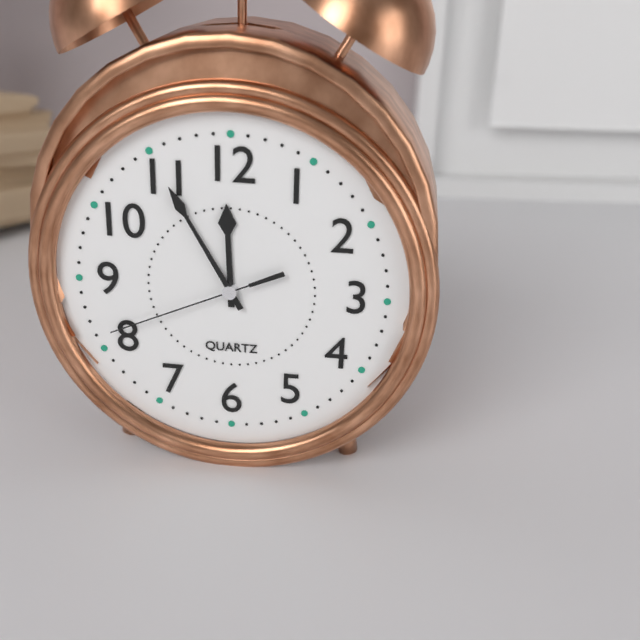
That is 11,55,41
